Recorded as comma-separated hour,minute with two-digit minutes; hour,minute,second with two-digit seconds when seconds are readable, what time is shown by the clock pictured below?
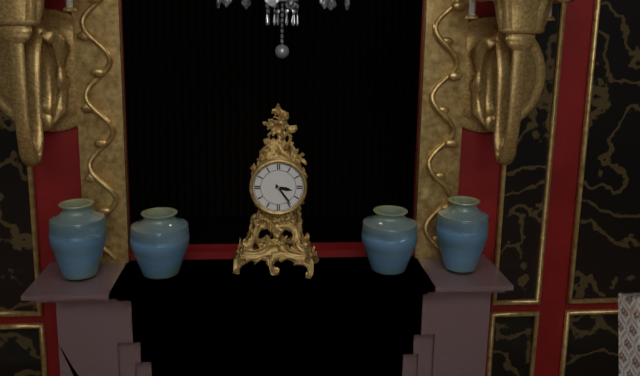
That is 3,24
